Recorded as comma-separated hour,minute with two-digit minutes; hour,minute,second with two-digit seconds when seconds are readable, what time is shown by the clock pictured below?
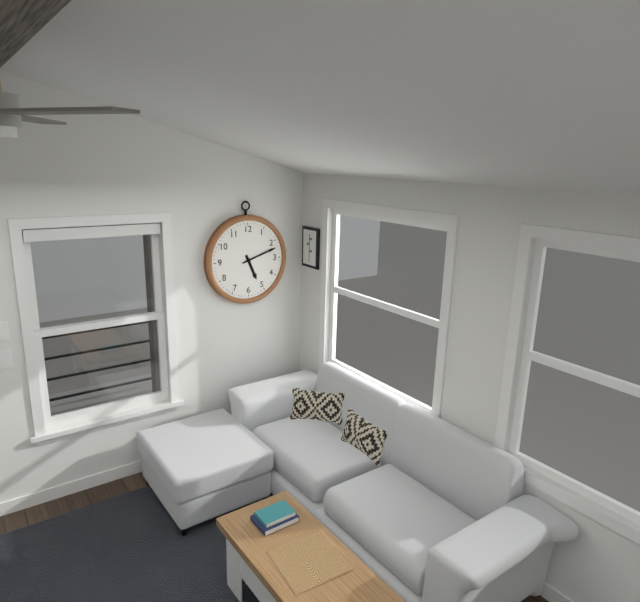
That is 5,12
